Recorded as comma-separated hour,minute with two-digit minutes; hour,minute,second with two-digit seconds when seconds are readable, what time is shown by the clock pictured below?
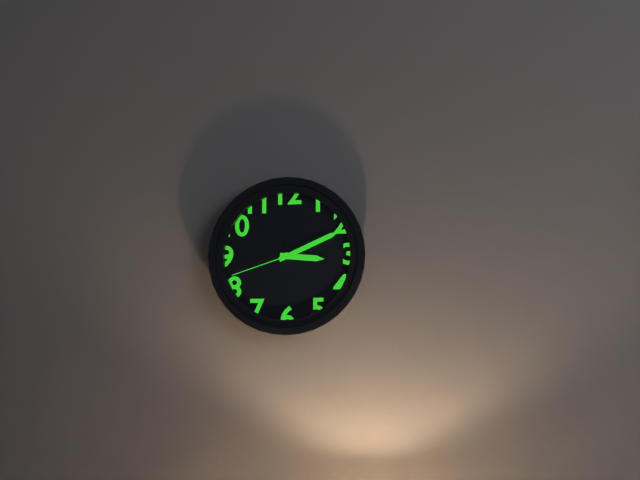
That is 3,11,42
